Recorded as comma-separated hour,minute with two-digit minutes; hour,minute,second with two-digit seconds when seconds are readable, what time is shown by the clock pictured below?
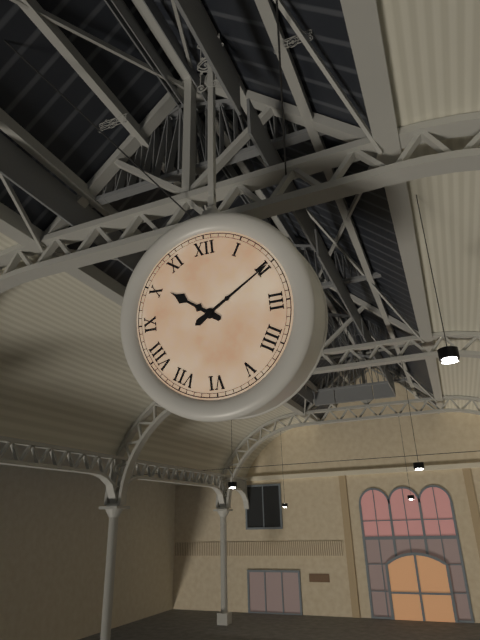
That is 10,10
